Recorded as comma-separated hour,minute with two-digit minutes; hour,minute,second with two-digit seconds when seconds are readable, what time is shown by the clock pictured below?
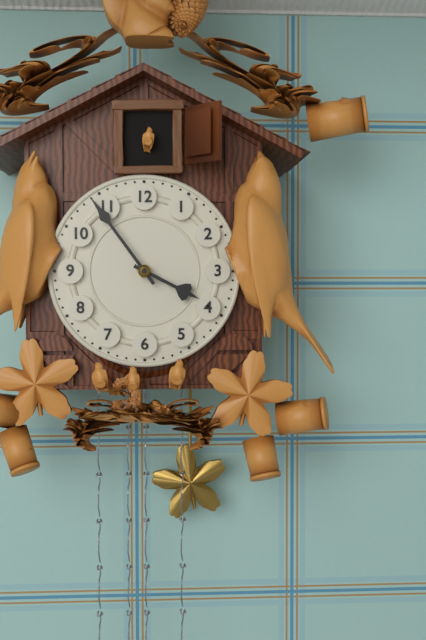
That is 3,54
